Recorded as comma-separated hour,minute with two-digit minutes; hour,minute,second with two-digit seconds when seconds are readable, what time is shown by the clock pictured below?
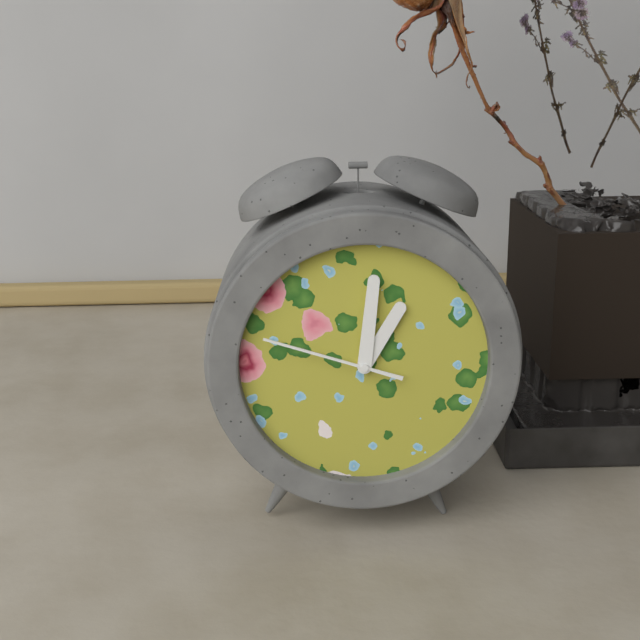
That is 1,01,48
